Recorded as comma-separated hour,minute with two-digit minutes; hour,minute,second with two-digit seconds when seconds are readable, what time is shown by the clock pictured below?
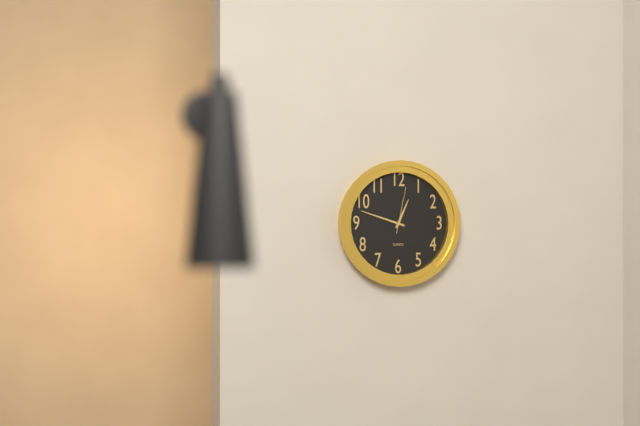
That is 12,48
